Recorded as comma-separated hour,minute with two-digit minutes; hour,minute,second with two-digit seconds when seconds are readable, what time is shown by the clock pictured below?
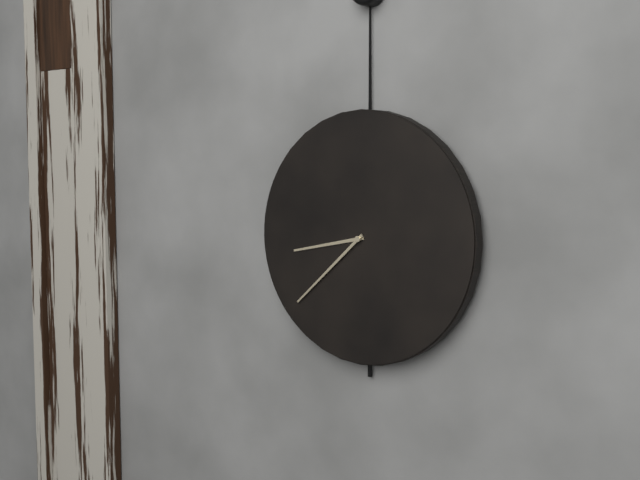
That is 8,38
